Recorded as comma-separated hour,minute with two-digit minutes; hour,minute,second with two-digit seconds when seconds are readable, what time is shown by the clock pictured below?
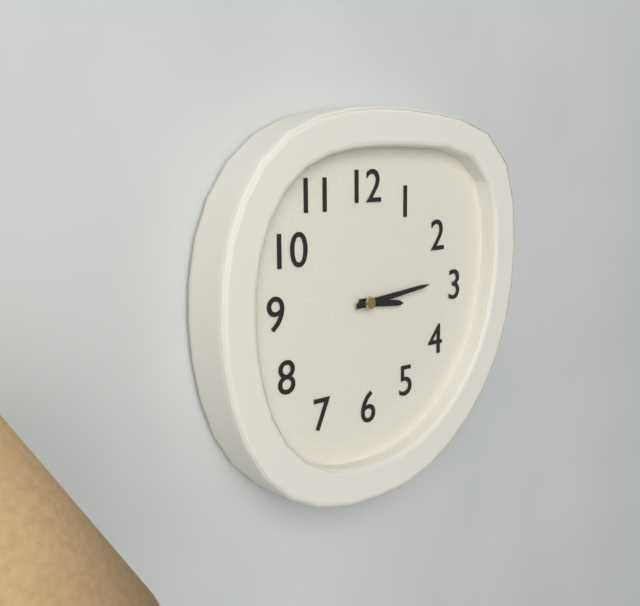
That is 3,14
